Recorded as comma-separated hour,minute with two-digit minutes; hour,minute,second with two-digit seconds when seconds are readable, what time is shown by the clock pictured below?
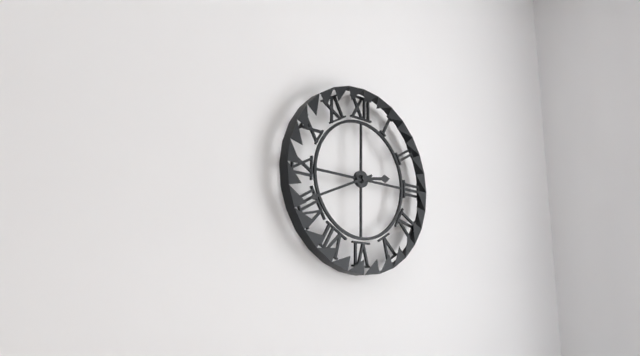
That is 2,41
